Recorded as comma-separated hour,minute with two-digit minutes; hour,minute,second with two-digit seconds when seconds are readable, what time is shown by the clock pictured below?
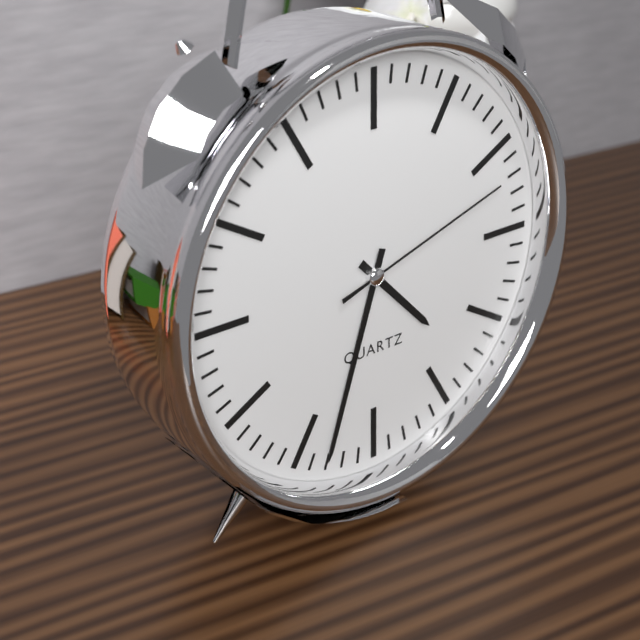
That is 4,33,12
